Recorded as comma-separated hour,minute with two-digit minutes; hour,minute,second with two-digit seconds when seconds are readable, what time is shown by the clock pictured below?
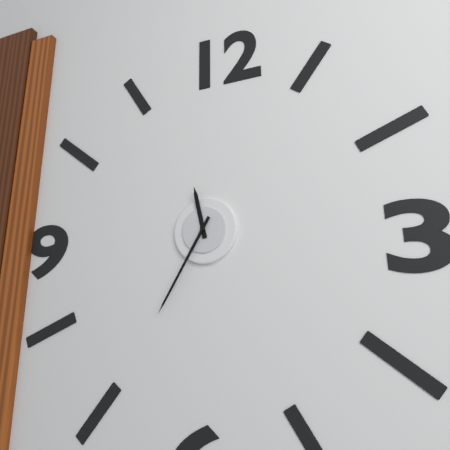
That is 11,35
